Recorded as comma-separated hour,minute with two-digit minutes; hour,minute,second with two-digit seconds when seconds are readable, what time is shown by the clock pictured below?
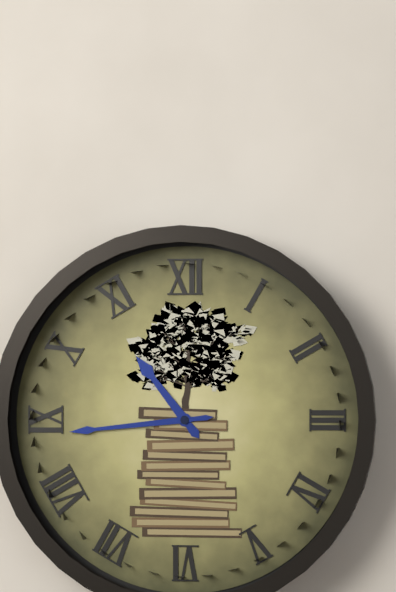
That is 10,44
